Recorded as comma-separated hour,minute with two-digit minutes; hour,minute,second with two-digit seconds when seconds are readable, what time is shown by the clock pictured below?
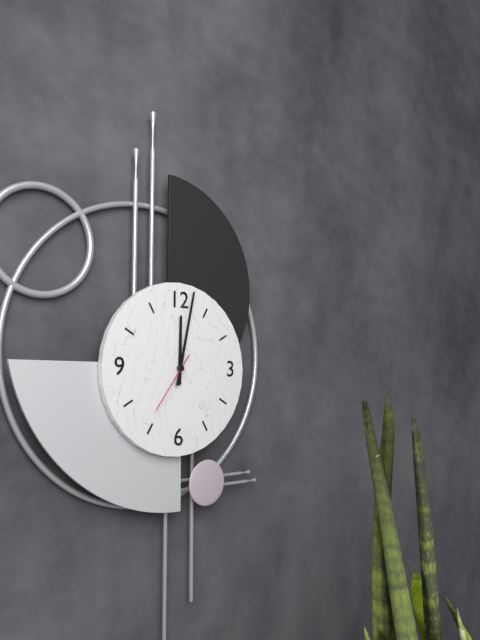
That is 12,02,36
